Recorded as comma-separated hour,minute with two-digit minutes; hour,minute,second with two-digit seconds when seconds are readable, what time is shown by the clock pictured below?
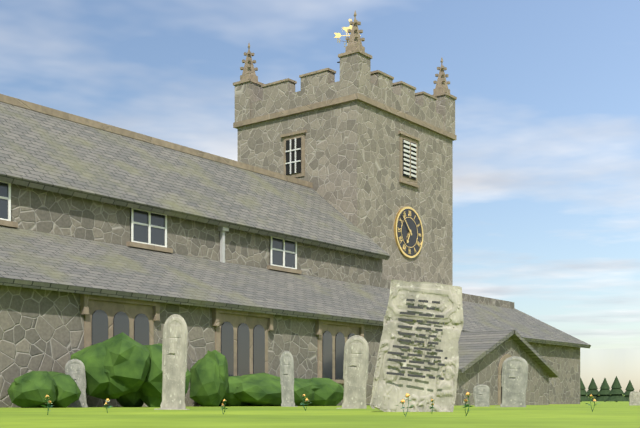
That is 6,53
